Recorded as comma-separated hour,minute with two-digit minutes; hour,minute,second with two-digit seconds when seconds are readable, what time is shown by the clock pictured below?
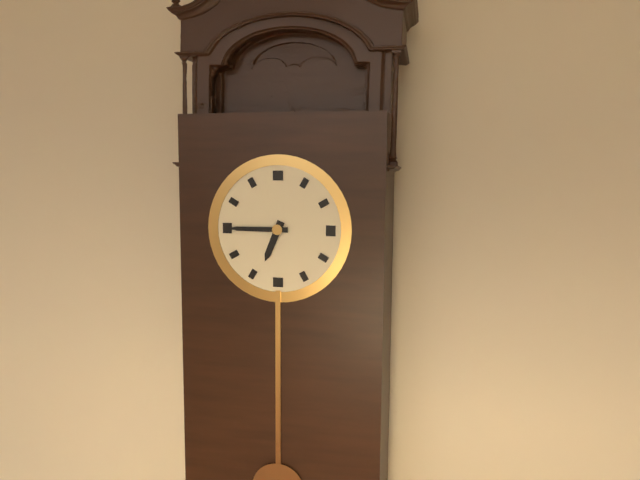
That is 6,45
